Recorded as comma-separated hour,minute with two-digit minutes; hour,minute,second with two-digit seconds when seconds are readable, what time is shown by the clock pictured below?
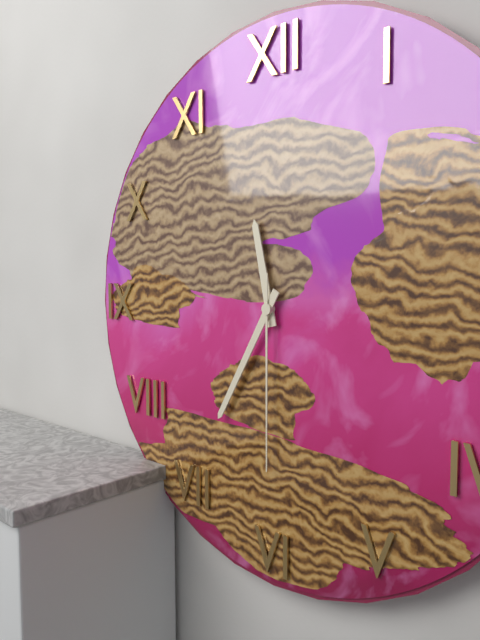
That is 11,35,30
